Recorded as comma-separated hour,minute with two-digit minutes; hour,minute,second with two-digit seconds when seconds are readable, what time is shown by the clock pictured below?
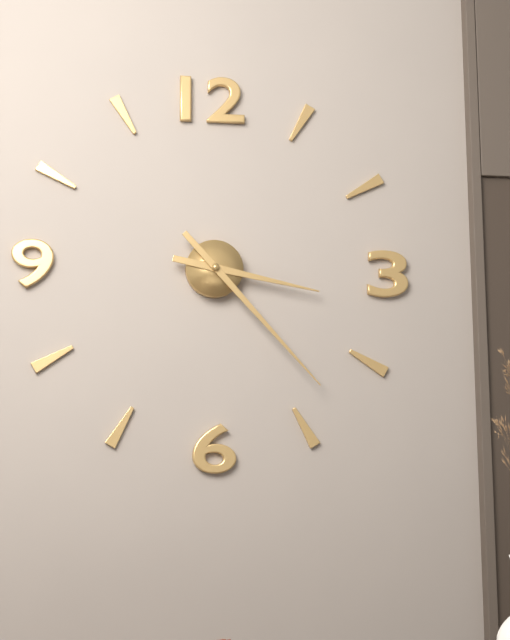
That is 3,23
